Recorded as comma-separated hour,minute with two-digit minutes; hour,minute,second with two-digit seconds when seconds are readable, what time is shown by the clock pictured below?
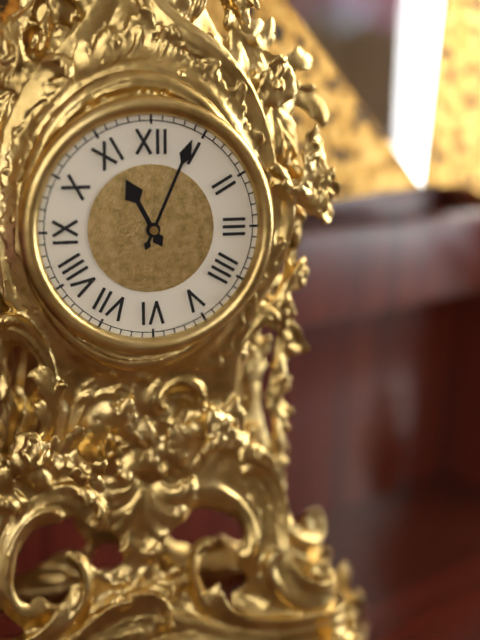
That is 11,04
